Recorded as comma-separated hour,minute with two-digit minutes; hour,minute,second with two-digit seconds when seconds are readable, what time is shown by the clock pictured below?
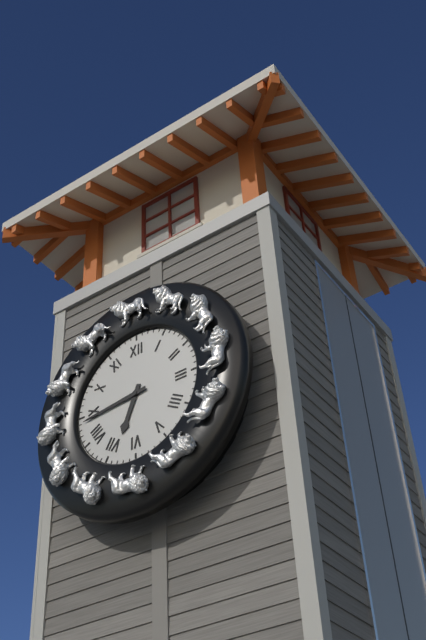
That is 6,44
